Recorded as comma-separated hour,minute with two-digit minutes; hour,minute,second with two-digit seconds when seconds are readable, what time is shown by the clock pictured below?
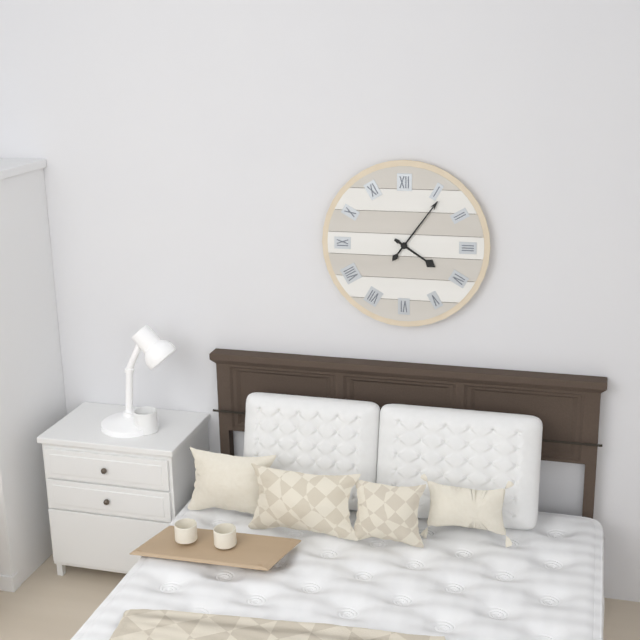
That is 4,06
